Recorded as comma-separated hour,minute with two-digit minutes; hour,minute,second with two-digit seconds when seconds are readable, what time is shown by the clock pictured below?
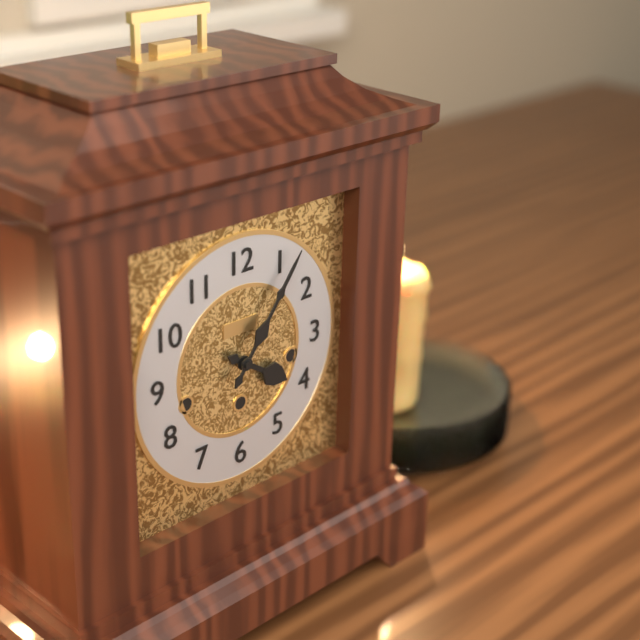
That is 4,06
